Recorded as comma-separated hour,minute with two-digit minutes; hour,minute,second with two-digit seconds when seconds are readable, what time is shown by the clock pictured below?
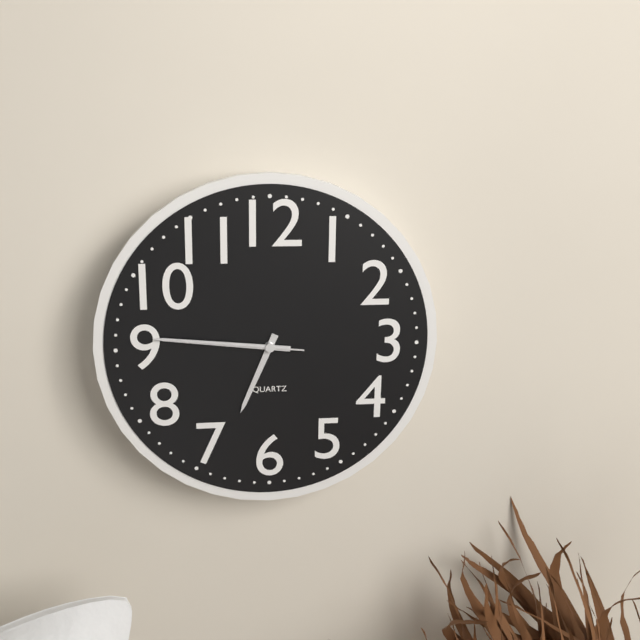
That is 6,46,46
